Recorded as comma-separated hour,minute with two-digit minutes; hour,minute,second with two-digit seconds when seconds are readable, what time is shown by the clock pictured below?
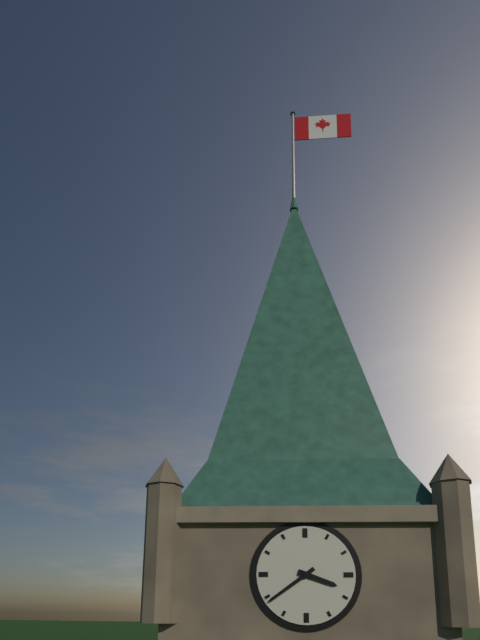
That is 3,39
